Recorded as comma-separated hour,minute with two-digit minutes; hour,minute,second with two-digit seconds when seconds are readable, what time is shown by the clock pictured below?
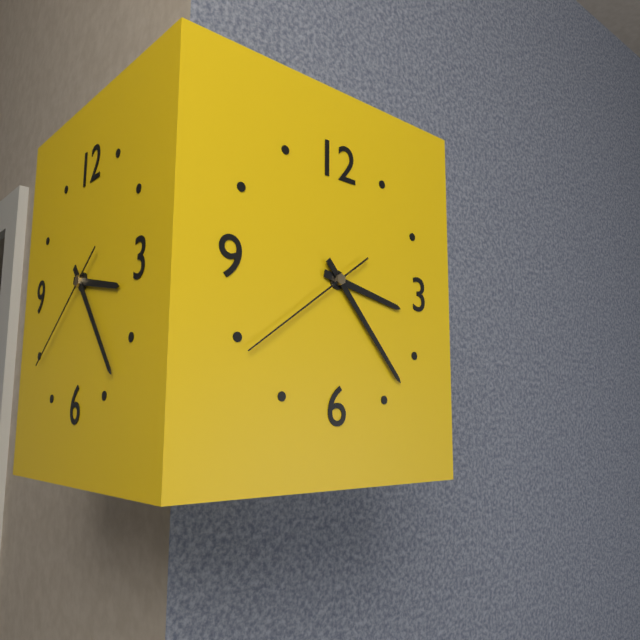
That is 3,23,39
